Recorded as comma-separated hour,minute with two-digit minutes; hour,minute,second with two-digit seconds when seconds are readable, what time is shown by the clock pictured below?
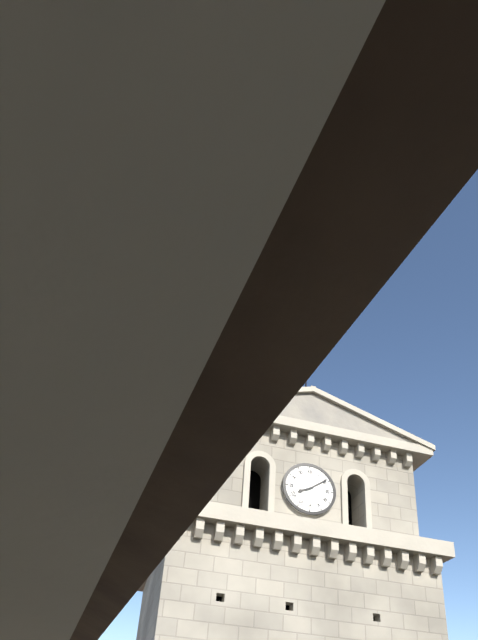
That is 8,09
